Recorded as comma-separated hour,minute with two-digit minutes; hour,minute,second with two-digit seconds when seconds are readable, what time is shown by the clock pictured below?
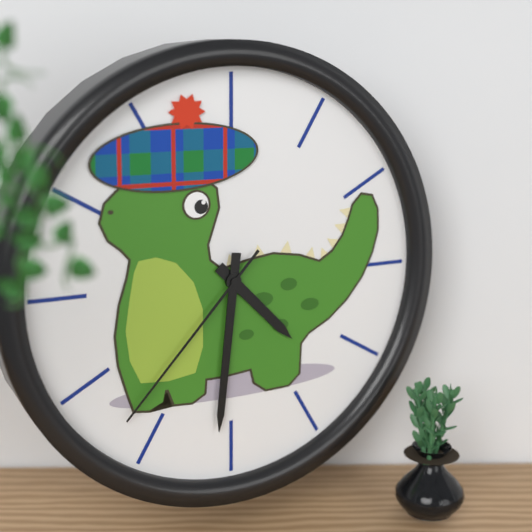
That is 4,31,37
